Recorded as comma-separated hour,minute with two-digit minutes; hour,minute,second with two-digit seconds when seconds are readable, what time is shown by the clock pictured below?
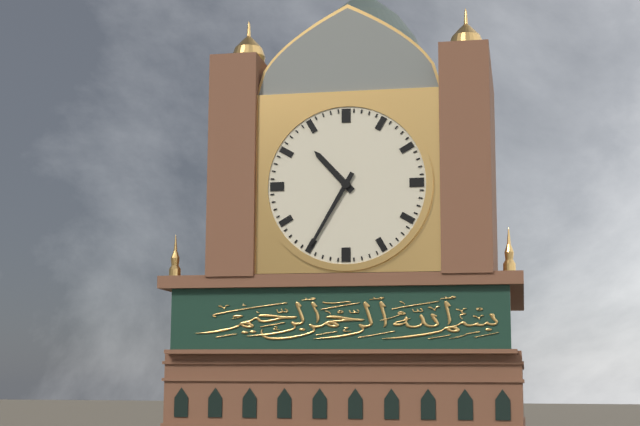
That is 10,35
